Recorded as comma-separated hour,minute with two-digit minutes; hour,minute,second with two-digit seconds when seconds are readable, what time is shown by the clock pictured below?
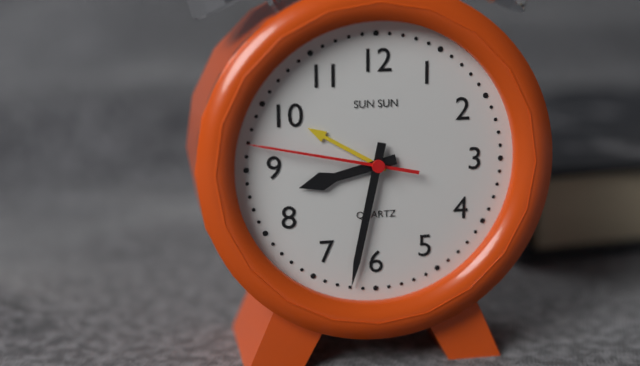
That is 8,32,47
